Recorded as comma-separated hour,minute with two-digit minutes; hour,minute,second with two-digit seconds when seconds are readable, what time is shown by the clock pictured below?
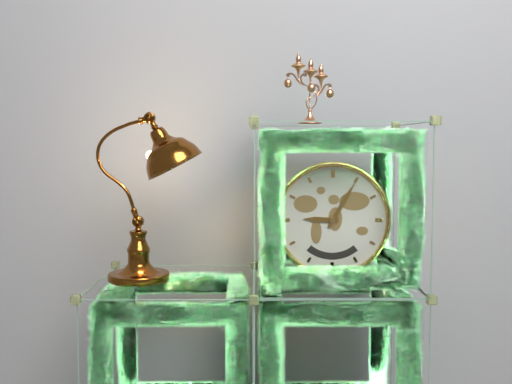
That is 9,05
